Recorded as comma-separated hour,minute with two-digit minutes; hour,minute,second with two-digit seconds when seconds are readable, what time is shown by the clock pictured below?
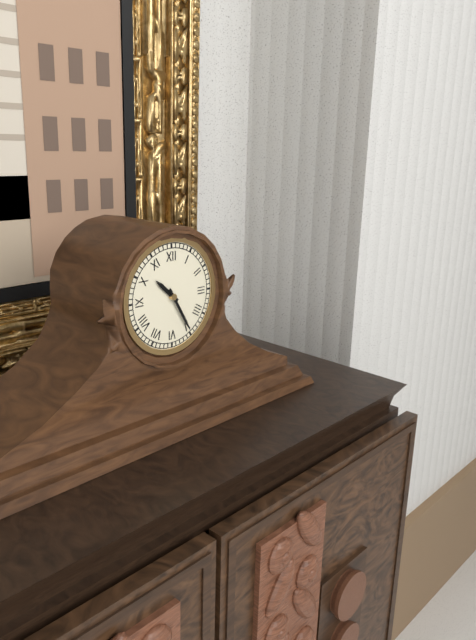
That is 10,25
